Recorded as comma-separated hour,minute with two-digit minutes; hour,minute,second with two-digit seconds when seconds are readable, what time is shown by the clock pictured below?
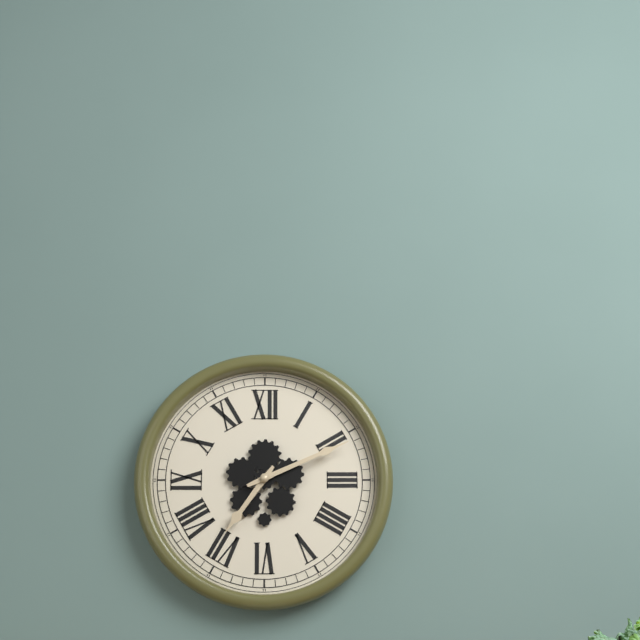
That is 7,11
